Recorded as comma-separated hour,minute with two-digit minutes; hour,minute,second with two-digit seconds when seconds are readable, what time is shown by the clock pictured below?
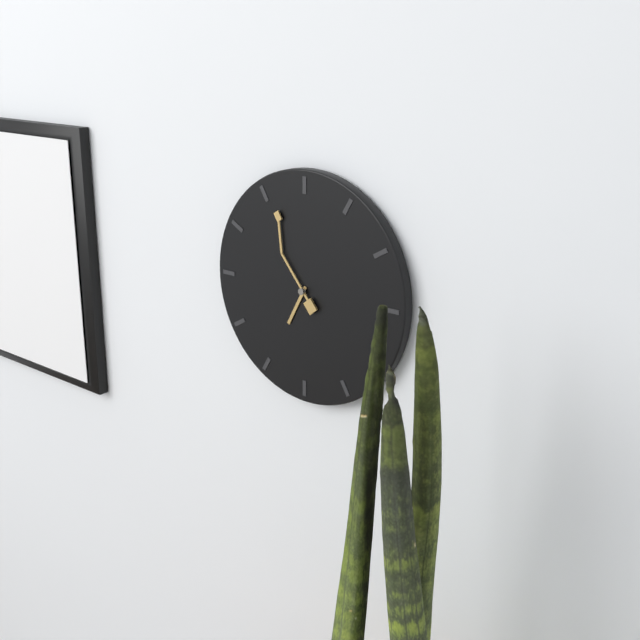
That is 6,56
